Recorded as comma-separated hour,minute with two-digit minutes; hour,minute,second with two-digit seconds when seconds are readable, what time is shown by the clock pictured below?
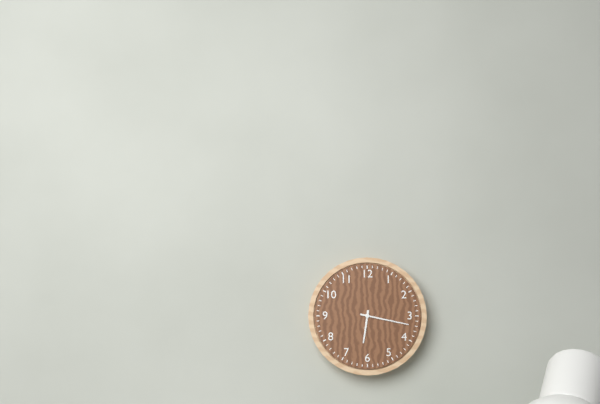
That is 6,17
